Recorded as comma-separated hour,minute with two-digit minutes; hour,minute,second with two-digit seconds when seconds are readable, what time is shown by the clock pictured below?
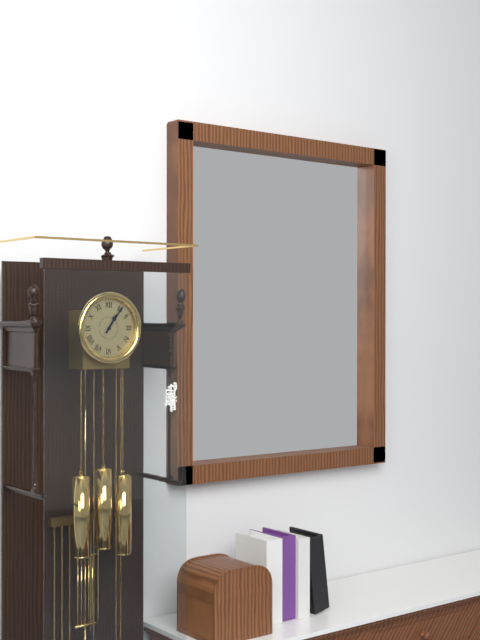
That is 1,06
